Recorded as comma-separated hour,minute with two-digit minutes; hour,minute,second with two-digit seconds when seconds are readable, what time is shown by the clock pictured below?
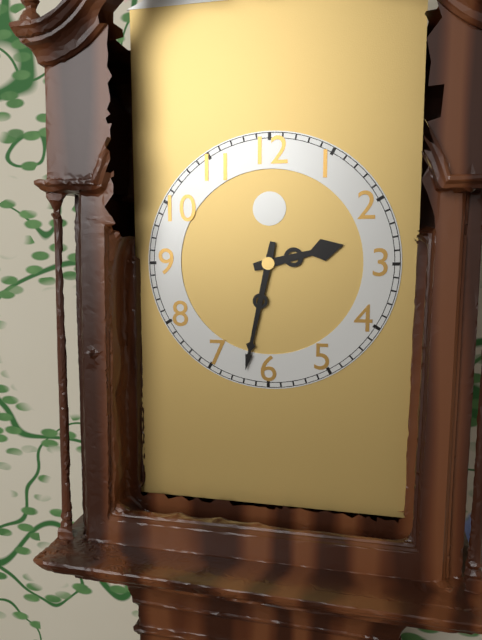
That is 2,32
